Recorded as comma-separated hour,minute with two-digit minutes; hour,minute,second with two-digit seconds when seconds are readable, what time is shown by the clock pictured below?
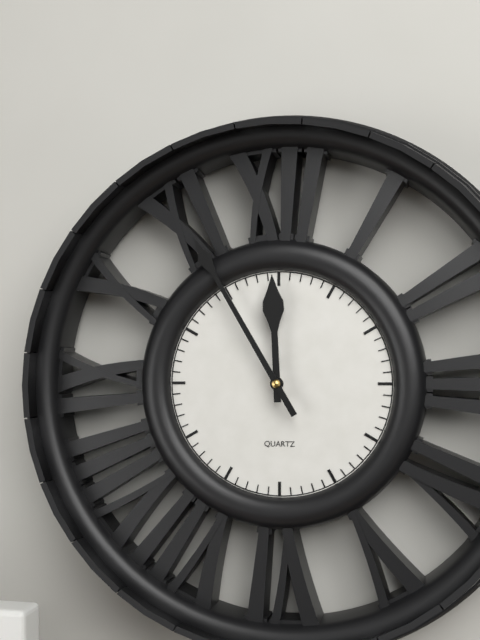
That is 11,55
